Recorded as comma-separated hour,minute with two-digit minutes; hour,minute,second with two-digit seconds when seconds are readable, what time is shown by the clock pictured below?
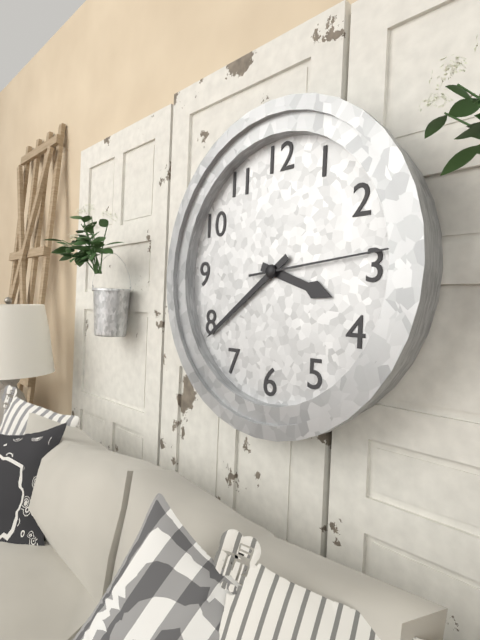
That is 3,39,14
